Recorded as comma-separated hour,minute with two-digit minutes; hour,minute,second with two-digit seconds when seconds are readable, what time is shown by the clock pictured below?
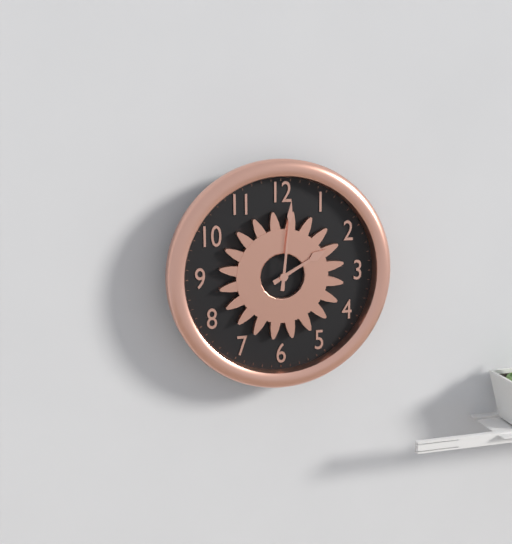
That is 2,01
